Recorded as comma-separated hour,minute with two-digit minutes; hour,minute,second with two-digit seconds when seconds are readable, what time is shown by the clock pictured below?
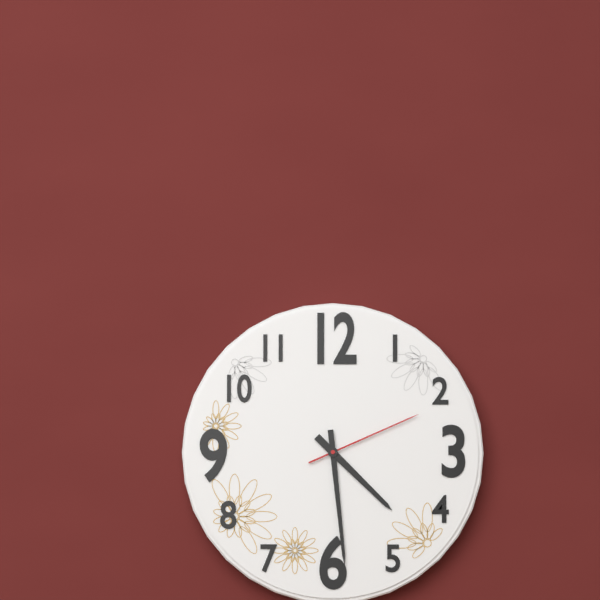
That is 4,29,11
